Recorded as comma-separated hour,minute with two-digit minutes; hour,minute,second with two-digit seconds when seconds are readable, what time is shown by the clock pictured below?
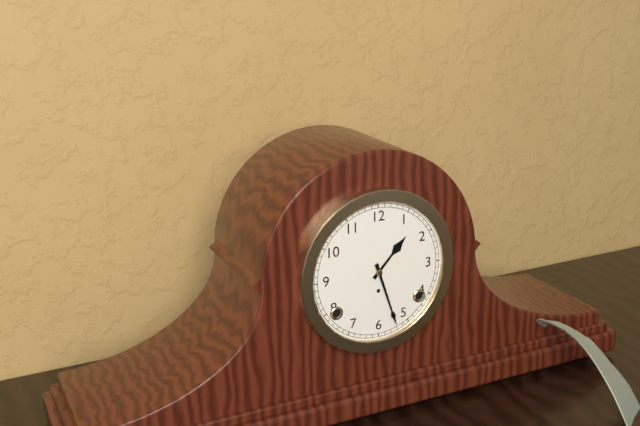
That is 1,27
